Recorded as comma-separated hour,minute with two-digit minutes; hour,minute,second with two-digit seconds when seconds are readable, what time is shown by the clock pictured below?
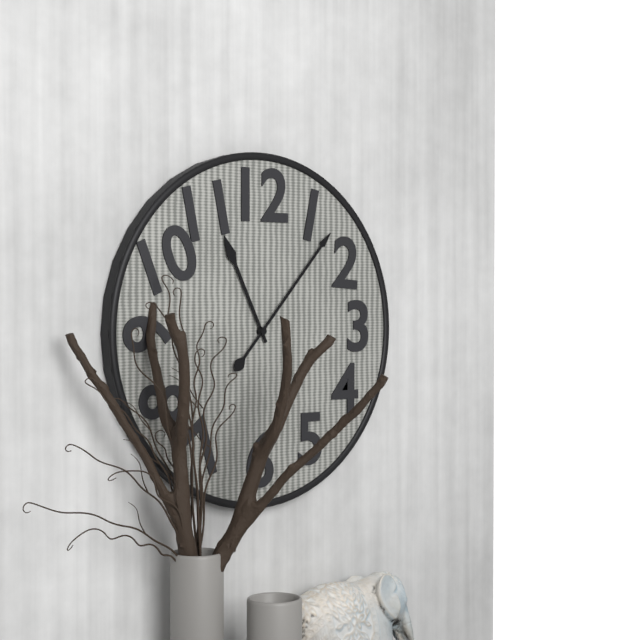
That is 11,07
